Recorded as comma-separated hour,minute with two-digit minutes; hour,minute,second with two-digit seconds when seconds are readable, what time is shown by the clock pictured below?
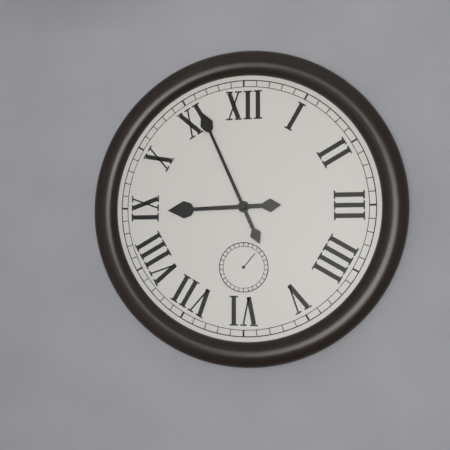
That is 8,56
